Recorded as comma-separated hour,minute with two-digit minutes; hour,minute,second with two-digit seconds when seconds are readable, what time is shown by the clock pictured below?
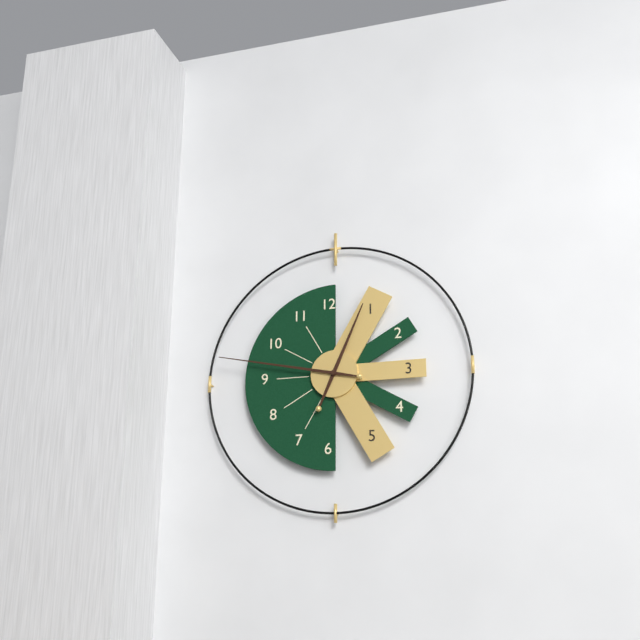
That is 12,47
